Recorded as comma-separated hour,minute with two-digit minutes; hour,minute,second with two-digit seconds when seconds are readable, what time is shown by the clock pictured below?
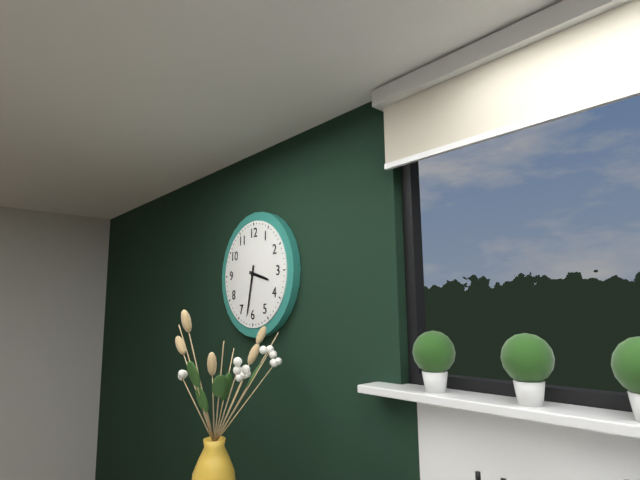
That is 3,32
